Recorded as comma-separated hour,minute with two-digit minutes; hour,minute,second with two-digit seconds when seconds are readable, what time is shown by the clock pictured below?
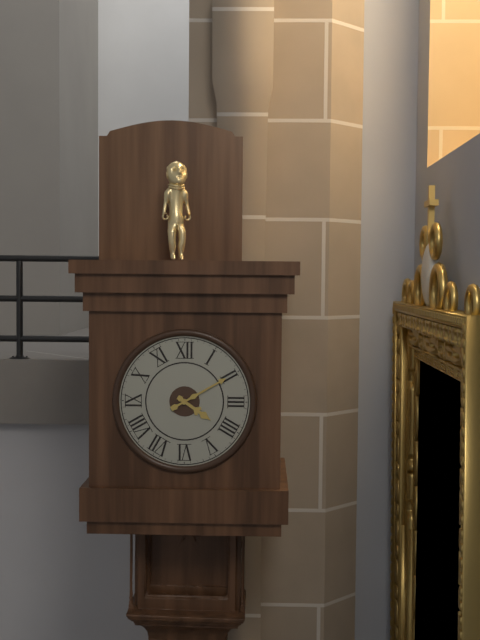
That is 4,10
